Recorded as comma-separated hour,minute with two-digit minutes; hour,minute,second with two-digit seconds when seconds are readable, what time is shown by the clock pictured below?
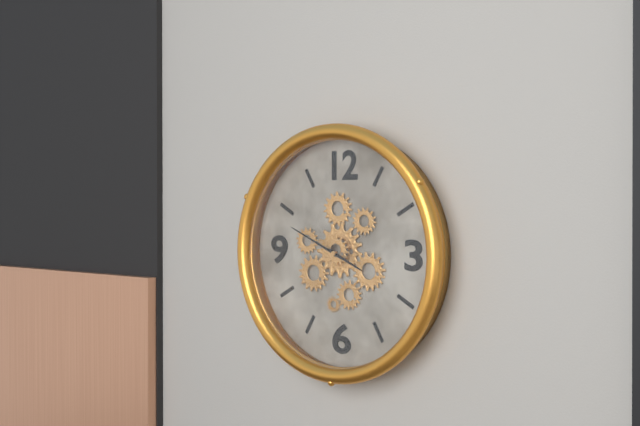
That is 3,49
